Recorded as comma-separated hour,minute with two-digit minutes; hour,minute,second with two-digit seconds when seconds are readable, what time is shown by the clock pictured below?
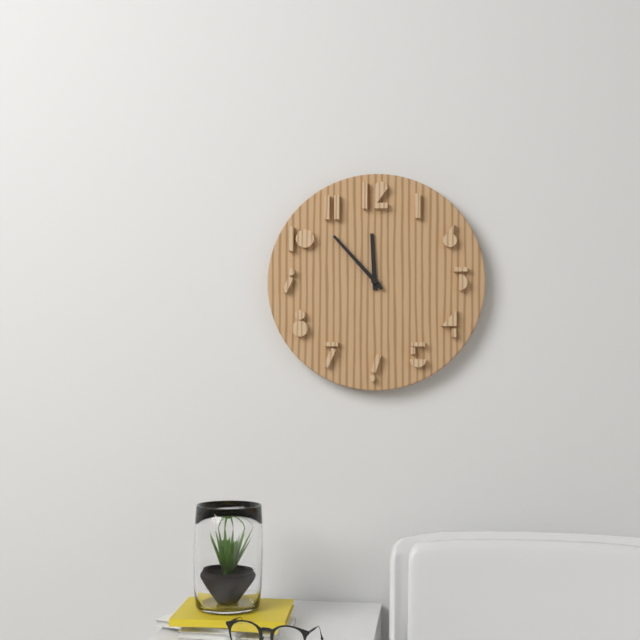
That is 11,53
